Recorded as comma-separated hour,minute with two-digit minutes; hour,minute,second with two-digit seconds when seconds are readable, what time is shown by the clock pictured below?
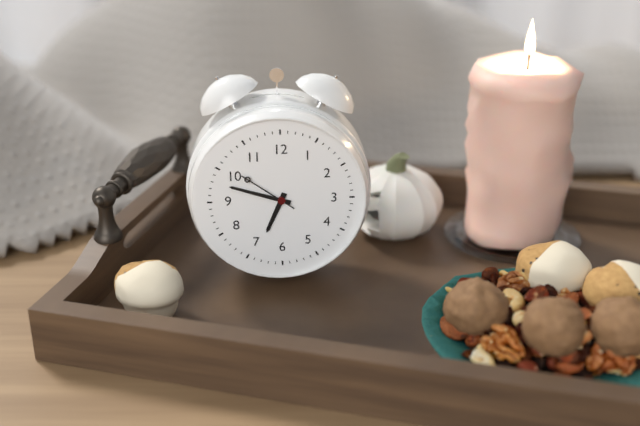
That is 6,48,51
